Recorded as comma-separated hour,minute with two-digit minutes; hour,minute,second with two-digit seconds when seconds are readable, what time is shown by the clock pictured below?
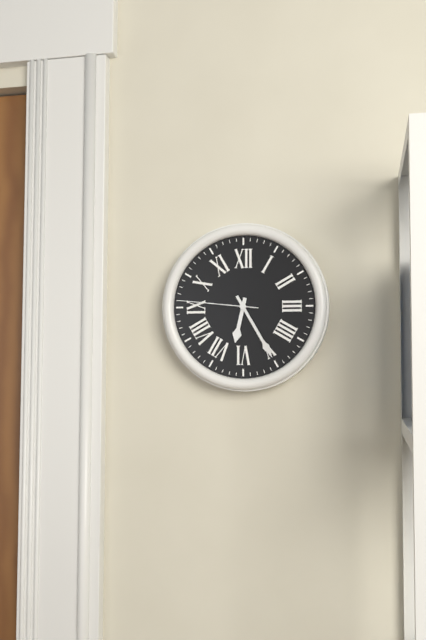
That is 6,25,46
